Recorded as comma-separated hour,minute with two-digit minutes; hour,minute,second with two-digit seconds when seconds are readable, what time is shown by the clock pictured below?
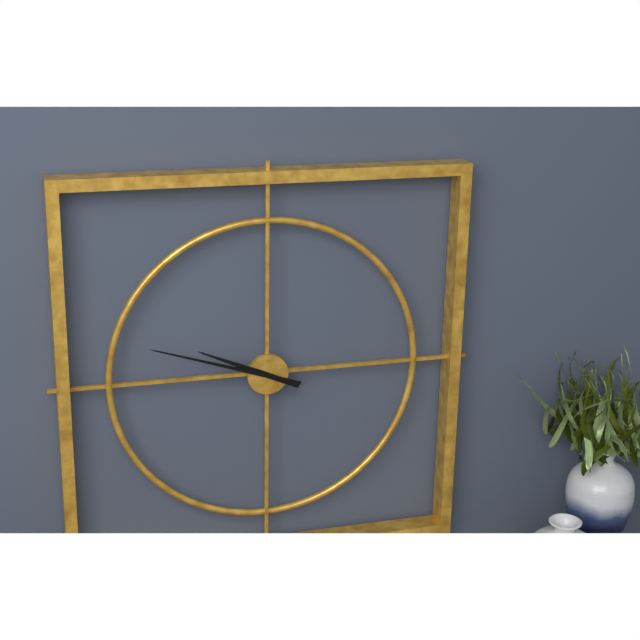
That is 9,48
